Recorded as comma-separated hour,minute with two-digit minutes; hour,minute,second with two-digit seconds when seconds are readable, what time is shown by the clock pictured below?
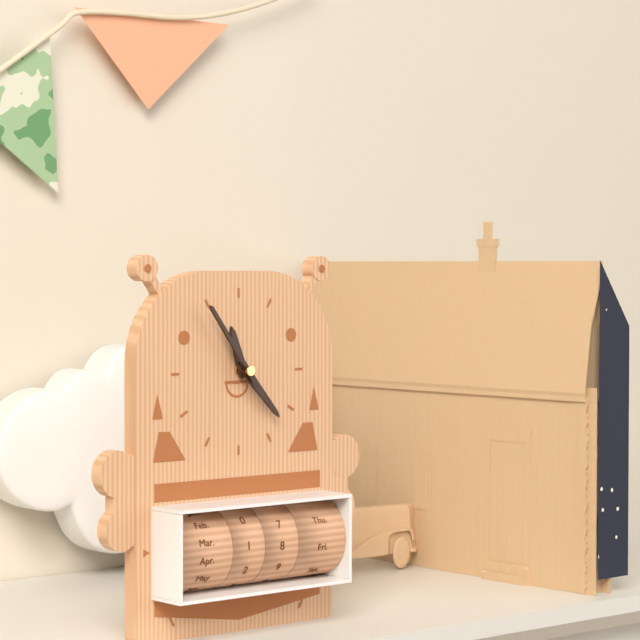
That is 11,23,54
